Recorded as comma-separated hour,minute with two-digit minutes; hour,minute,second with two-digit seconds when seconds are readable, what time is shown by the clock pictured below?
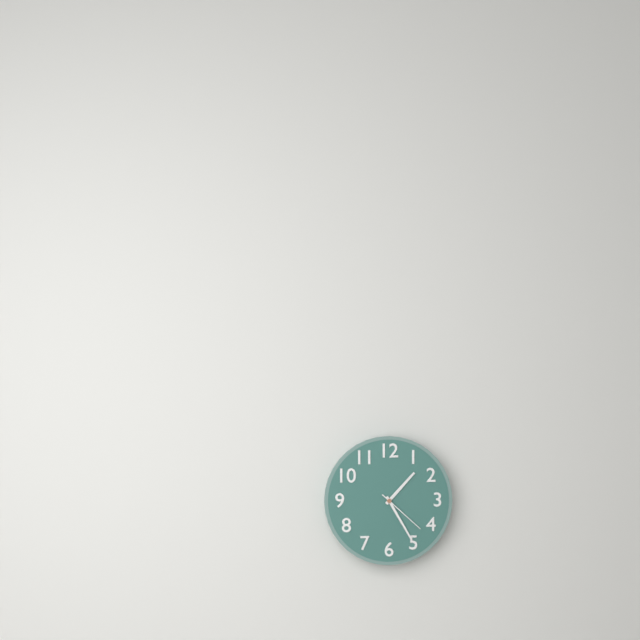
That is 1,25,22
